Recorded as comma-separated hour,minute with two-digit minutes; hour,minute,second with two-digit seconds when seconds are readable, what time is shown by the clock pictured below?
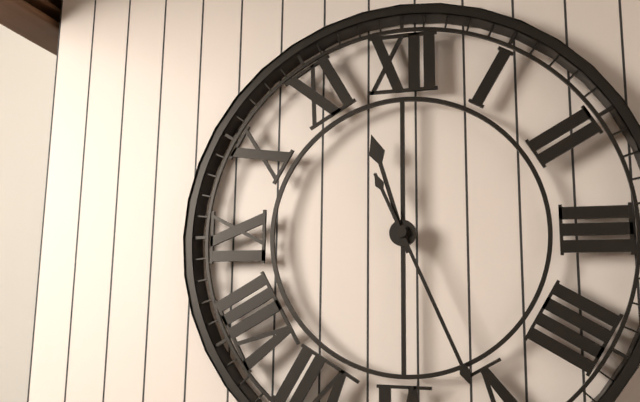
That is 11,26
